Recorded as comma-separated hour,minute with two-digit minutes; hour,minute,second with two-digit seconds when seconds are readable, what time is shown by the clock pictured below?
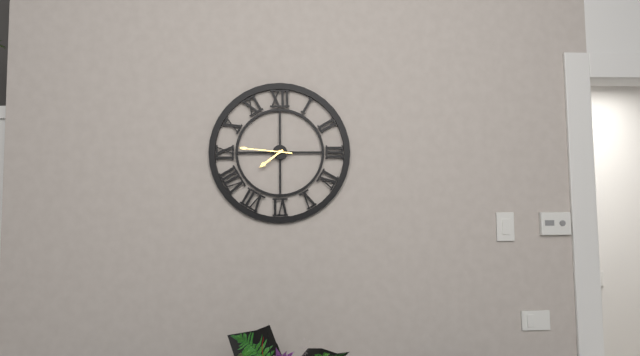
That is 7,46
